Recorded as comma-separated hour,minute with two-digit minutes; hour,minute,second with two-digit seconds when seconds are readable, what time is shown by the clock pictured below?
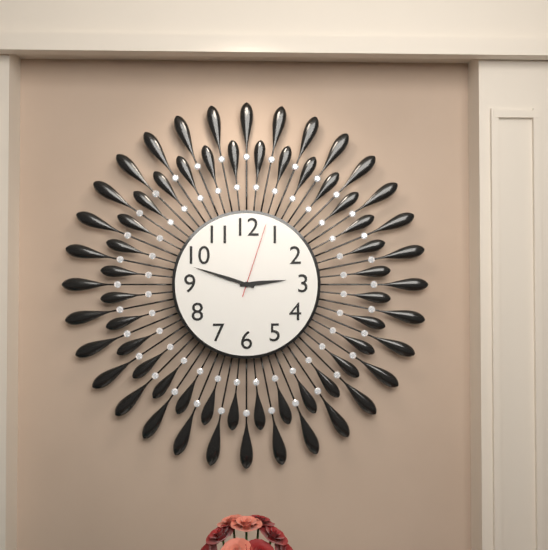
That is 2,48,03
